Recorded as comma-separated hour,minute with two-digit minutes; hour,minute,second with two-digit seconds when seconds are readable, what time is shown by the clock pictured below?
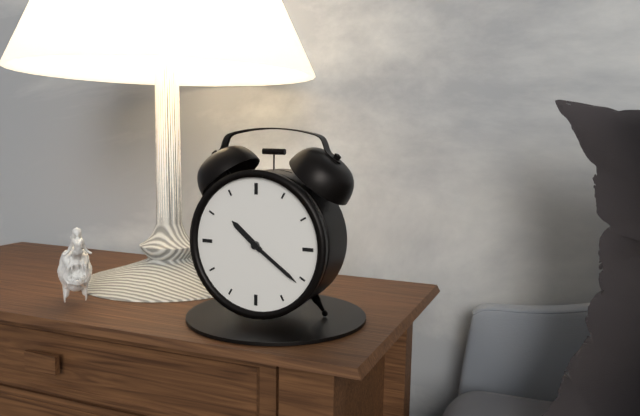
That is 10,21
